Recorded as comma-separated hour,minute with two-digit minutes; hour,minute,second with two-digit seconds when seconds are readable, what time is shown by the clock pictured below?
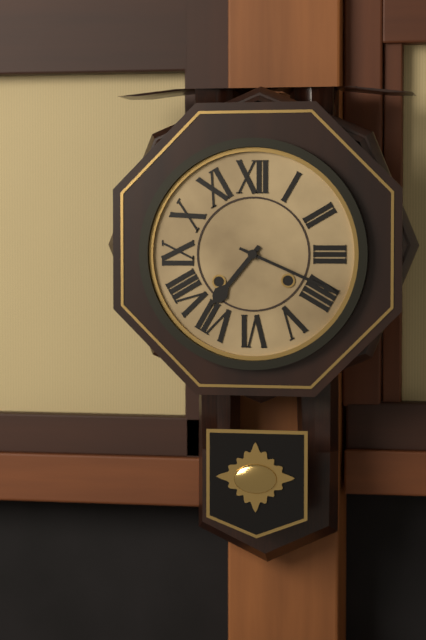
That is 7,19
